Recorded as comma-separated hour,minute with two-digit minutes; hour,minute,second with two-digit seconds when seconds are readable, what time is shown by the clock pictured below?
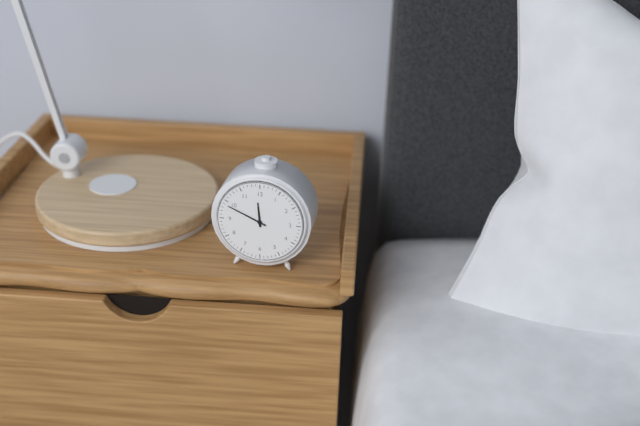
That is 11,49
